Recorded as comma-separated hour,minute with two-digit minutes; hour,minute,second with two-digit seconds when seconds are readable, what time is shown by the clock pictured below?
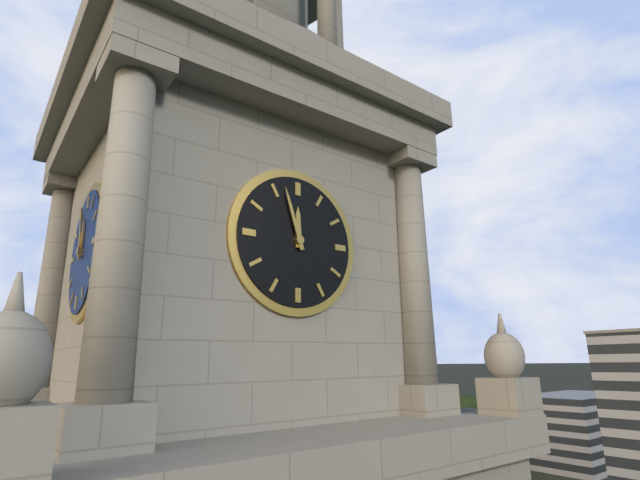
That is 11,57
